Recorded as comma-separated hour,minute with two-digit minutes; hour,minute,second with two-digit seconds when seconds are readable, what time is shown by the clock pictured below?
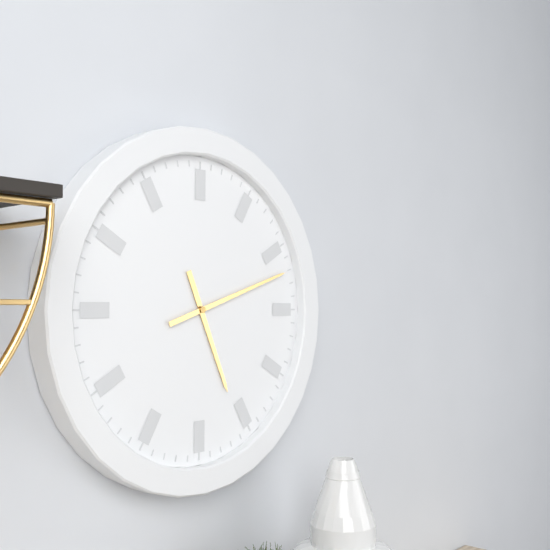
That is 5,12
